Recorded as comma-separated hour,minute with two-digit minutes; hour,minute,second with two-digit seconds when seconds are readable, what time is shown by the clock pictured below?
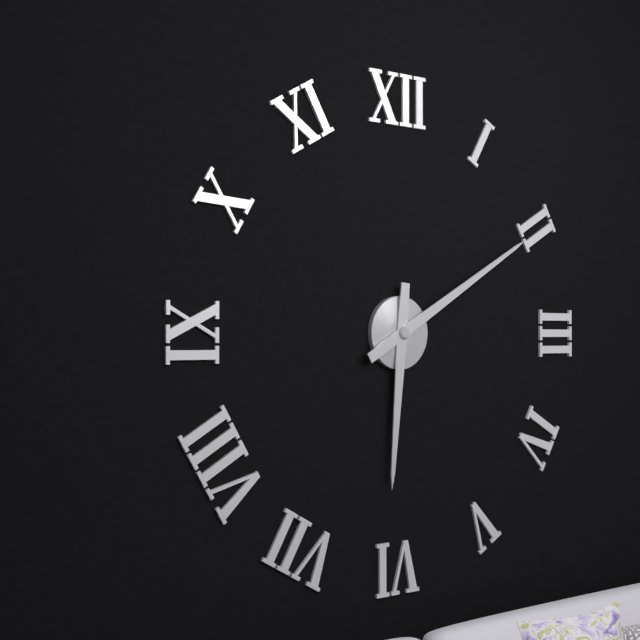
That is 6,10
